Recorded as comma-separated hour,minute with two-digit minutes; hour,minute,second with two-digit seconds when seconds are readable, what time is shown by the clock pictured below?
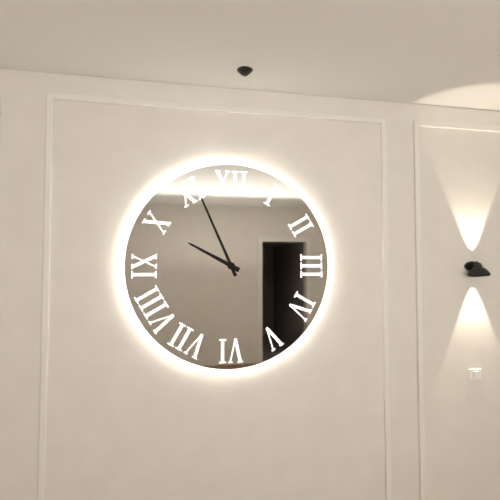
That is 9,56
